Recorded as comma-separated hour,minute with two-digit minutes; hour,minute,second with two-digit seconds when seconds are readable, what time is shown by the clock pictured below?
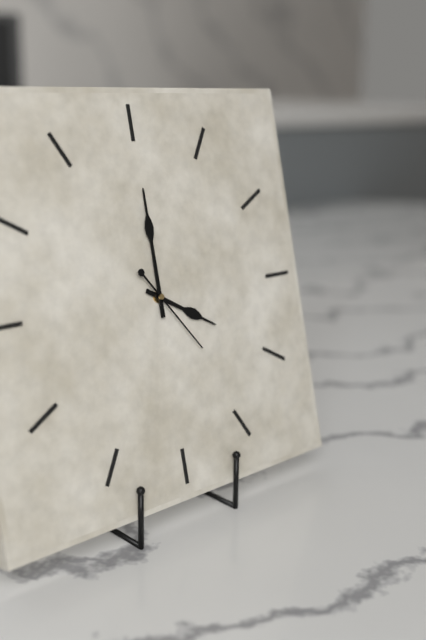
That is 4,00,24
